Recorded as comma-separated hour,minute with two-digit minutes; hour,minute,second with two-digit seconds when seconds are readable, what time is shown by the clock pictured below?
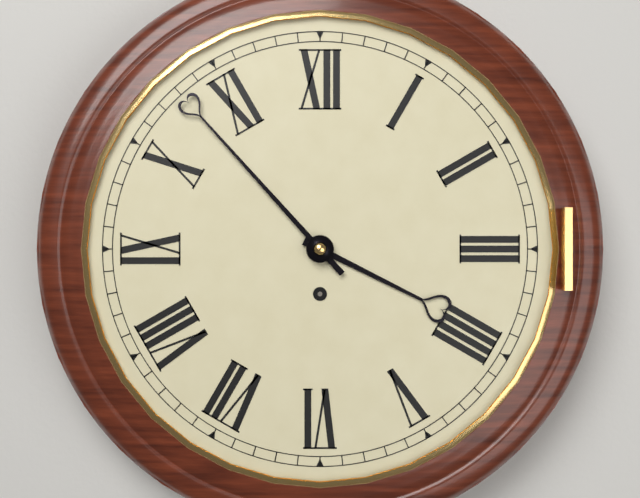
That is 3,53
